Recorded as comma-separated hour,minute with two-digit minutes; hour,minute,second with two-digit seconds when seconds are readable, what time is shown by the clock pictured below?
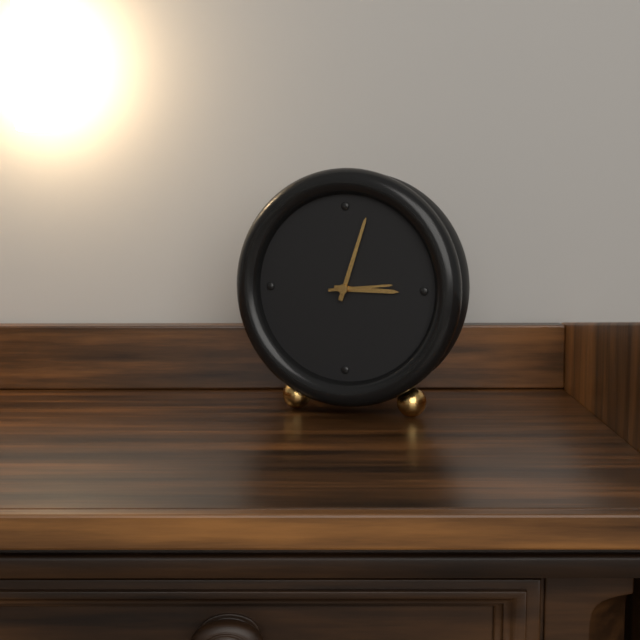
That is 3,03,14
